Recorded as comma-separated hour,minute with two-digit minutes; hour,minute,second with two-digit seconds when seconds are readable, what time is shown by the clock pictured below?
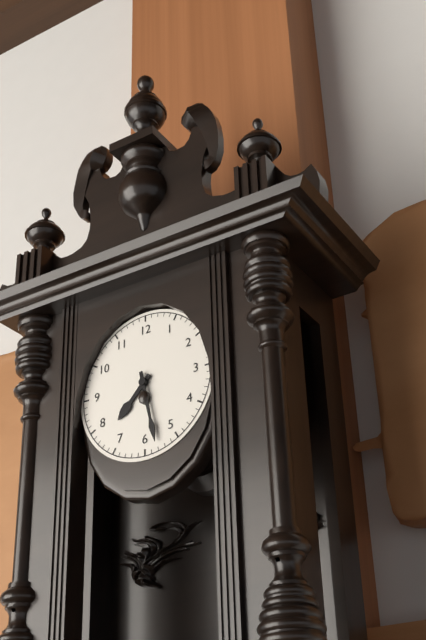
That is 7,28
